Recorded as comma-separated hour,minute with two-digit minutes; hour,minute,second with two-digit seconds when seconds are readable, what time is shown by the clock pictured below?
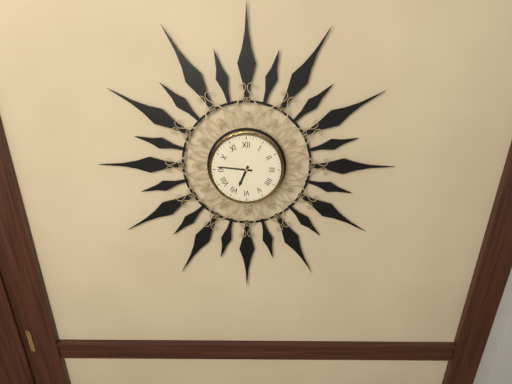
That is 6,46
